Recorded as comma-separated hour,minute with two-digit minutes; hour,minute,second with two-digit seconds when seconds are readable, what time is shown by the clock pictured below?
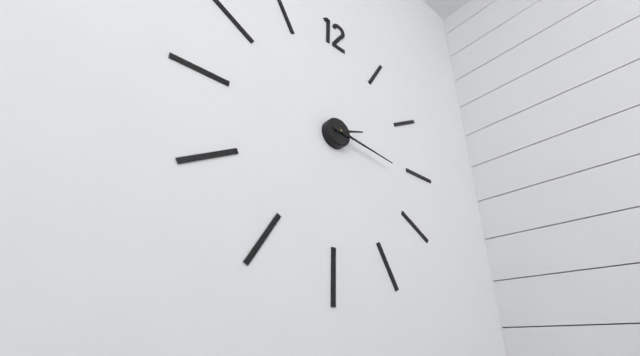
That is 2,16
